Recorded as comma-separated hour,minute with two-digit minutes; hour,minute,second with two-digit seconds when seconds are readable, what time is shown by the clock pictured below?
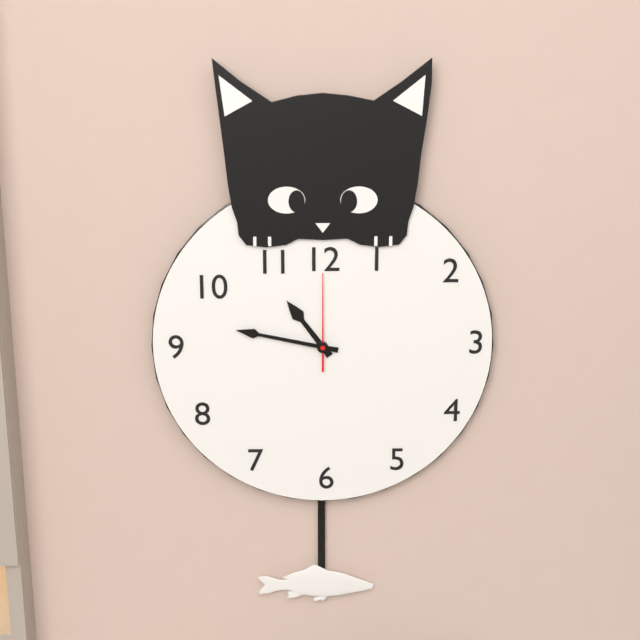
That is 10,47,00
